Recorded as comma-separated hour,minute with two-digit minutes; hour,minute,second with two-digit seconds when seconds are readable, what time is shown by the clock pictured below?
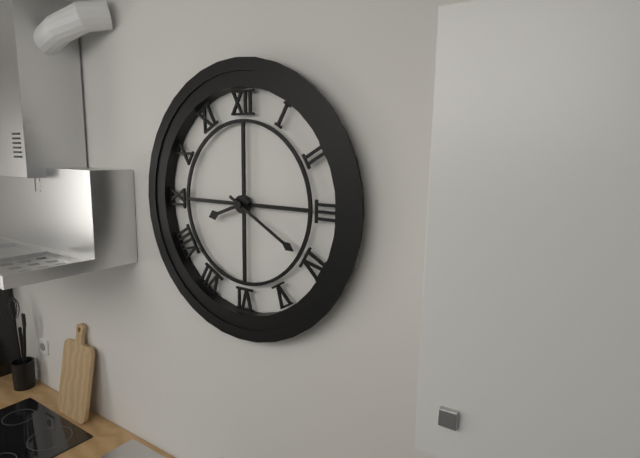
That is 8,20
